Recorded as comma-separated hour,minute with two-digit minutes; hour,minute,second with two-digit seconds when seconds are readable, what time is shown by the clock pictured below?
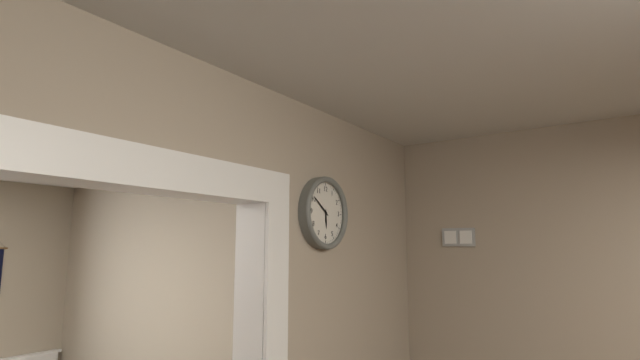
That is 5,51
